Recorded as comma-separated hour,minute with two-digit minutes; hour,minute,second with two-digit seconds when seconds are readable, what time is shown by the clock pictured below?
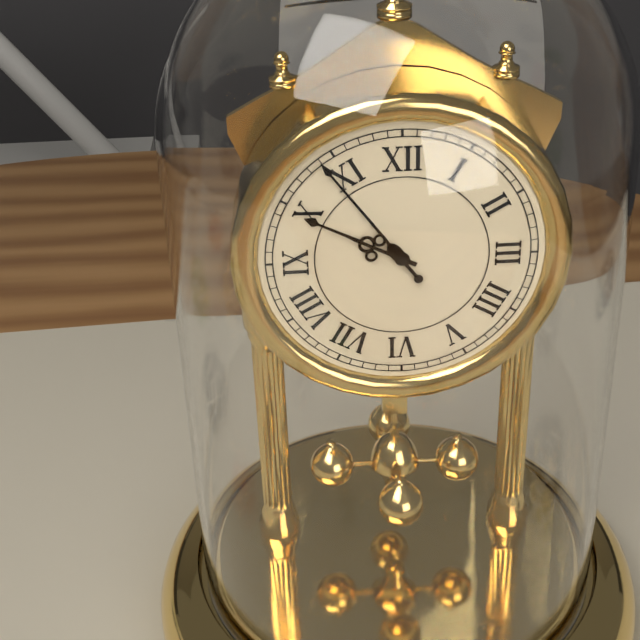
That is 9,54
